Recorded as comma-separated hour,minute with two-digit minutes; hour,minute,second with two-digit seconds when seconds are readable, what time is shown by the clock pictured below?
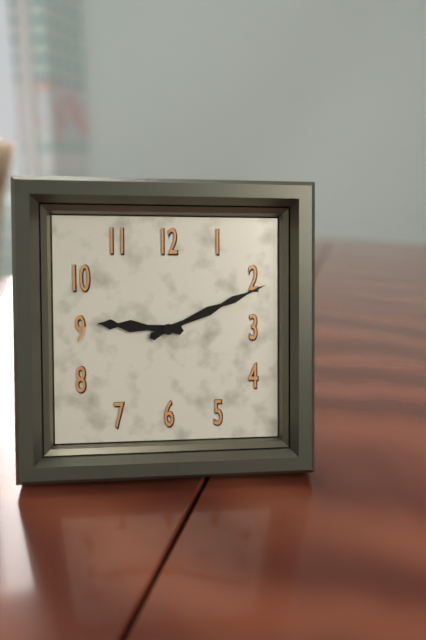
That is 9,11
